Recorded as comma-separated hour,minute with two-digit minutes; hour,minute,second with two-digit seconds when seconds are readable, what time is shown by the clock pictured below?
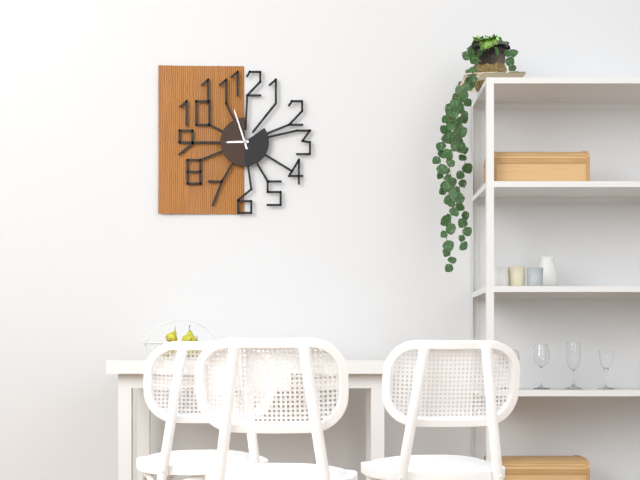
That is 8,57
